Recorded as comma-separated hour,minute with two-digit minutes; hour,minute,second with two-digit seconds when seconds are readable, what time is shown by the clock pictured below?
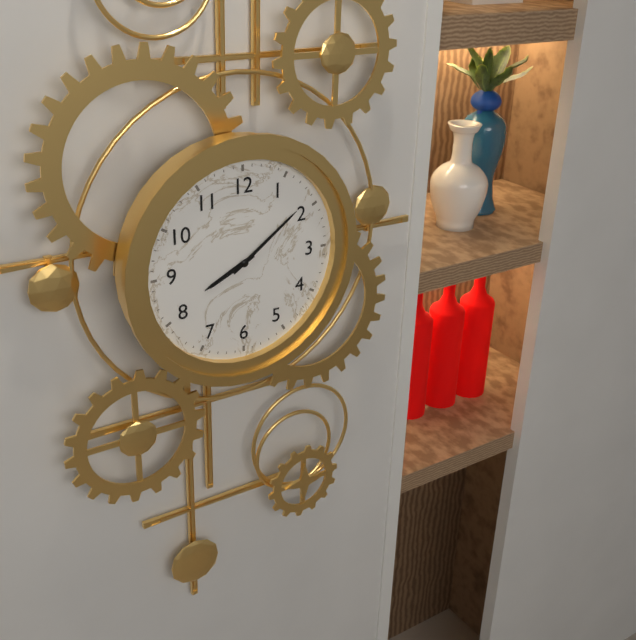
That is 8,09
